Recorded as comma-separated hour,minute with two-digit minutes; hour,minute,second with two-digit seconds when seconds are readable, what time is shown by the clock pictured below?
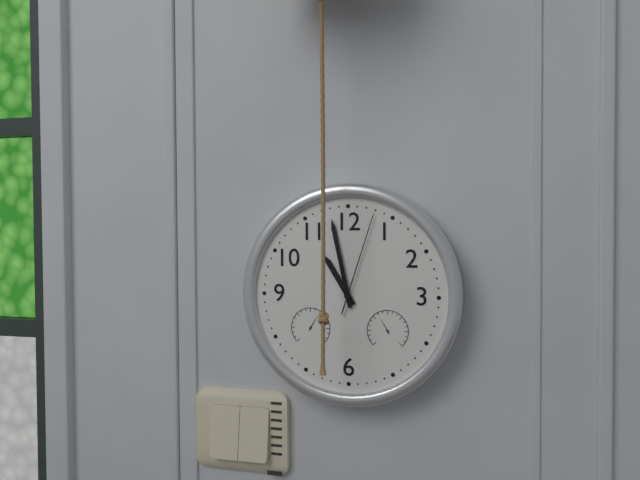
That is 10,58,03
